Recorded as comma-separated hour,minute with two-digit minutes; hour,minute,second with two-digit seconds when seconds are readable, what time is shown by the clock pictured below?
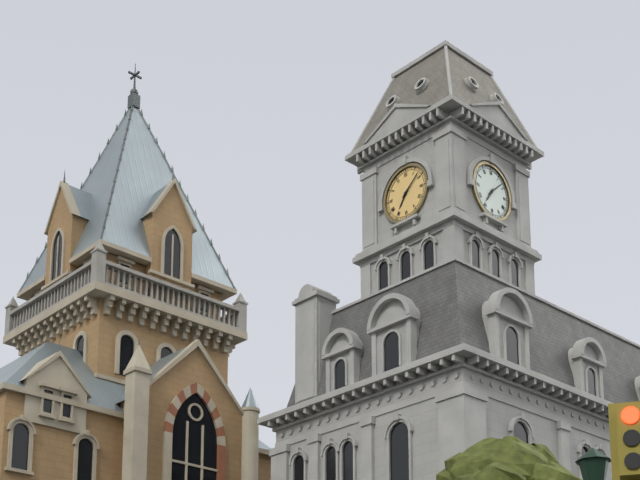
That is 7,08
